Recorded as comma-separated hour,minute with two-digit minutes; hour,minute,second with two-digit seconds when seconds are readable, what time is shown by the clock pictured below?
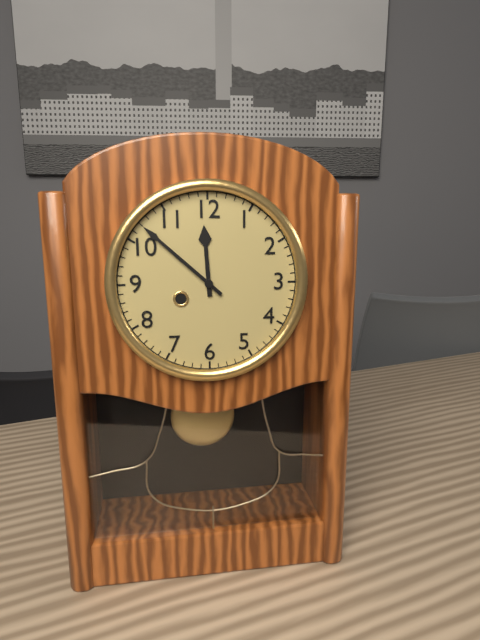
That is 11,52
